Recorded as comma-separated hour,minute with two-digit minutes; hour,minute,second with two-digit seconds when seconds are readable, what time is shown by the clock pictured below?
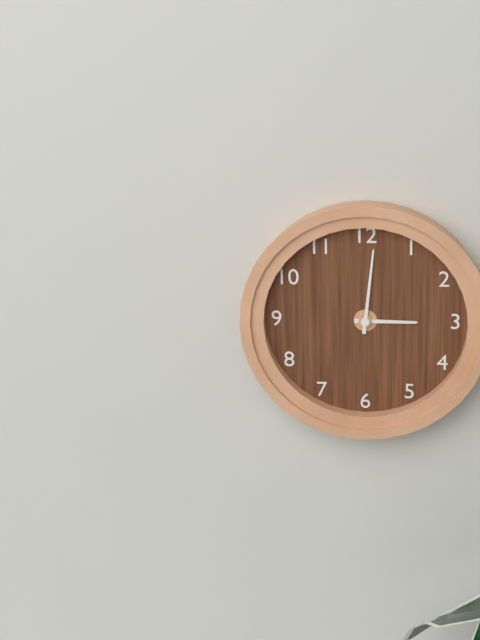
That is 3,01
